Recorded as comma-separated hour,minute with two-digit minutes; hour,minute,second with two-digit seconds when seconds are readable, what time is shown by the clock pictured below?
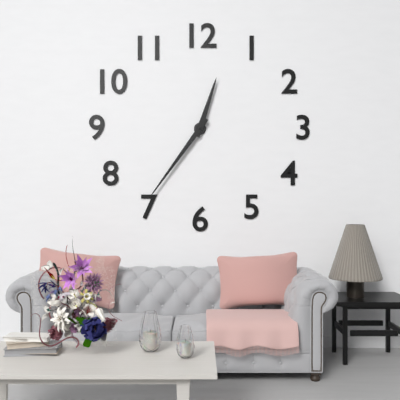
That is 12,36
